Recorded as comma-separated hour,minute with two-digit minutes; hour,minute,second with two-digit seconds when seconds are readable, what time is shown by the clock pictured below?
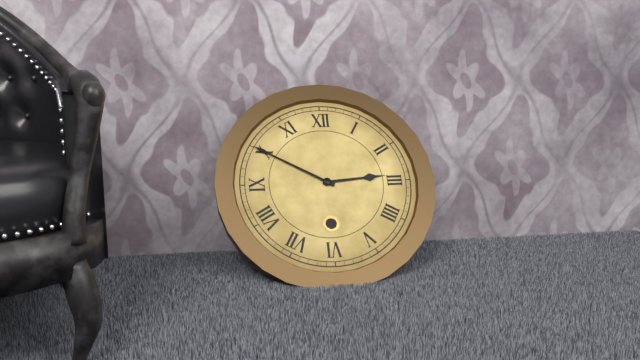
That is 2,50
